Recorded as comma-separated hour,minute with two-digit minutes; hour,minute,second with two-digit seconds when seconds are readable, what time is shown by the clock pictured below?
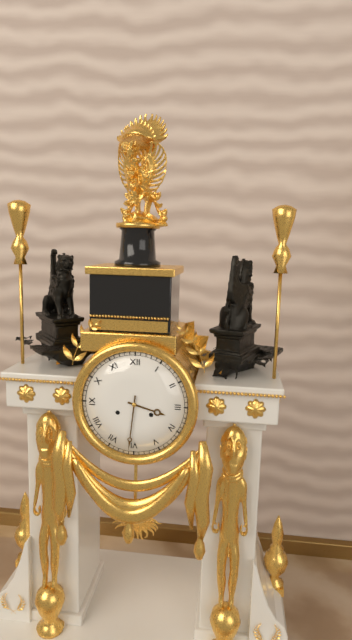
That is 3,31
